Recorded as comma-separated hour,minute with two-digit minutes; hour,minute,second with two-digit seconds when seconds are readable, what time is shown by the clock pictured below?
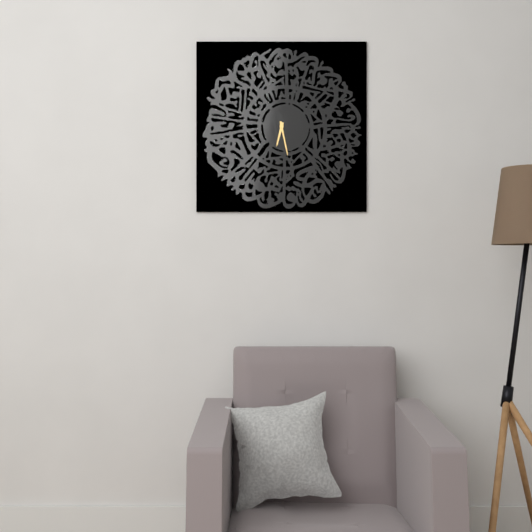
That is 6,28
